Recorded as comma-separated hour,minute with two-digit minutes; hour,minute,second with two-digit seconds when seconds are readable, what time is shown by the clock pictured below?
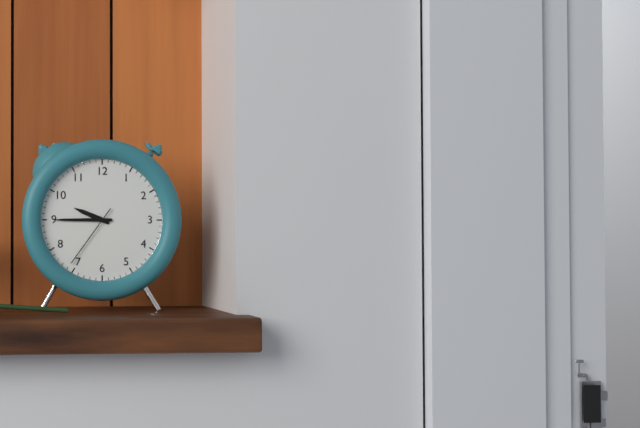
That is 9,45,36
